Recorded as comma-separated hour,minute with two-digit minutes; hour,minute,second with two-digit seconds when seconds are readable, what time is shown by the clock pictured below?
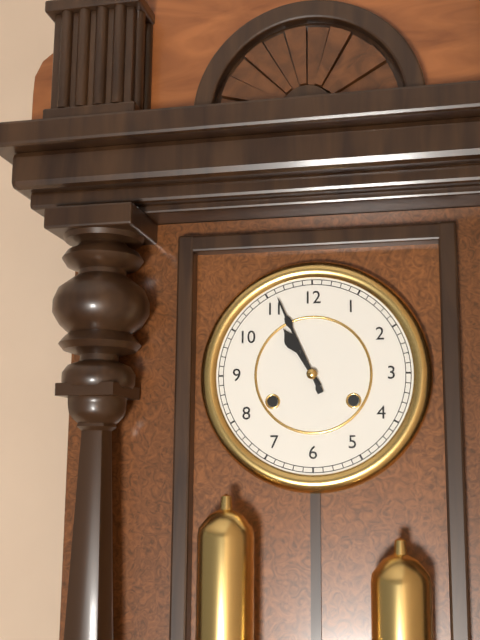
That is 10,56
